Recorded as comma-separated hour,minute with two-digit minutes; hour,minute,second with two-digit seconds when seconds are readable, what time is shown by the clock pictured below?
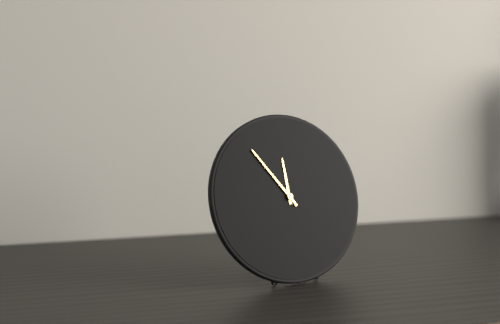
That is 11,54
